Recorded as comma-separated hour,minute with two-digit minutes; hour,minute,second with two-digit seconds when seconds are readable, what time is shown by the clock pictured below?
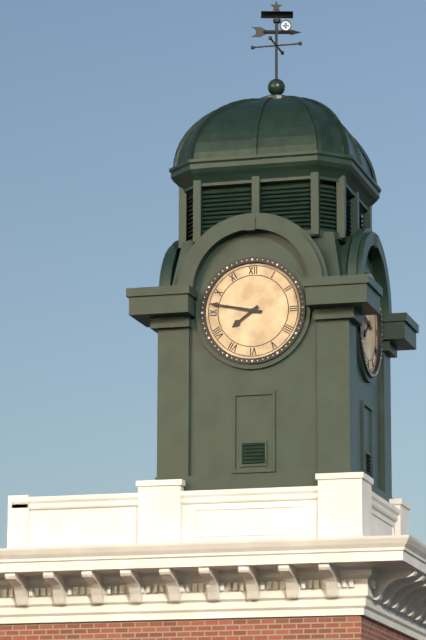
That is 7,47
